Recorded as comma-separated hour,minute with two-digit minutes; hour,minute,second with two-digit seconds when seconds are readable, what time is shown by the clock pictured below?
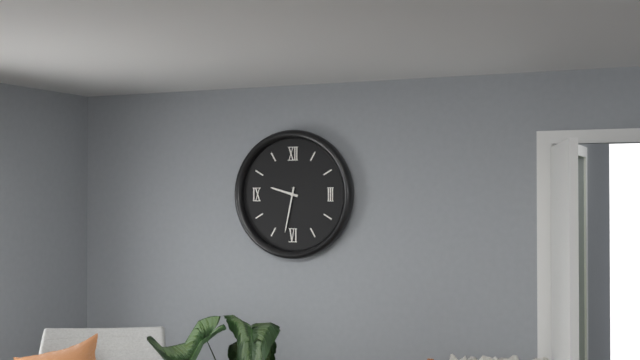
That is 9,32
